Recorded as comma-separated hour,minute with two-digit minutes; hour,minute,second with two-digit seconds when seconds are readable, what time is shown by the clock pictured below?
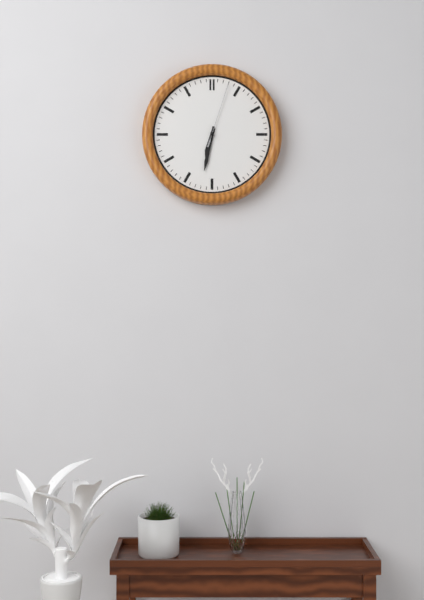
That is 6,32,03
